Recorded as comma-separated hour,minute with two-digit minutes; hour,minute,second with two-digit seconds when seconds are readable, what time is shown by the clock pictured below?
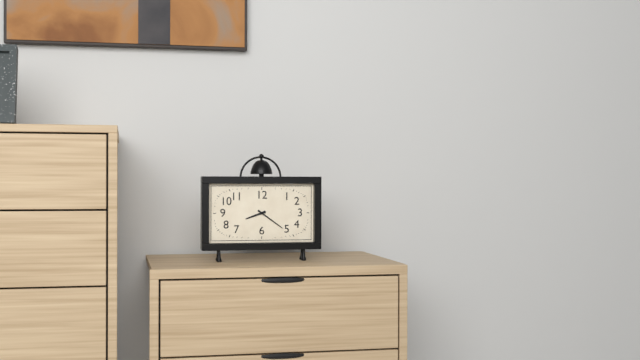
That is 8,21
